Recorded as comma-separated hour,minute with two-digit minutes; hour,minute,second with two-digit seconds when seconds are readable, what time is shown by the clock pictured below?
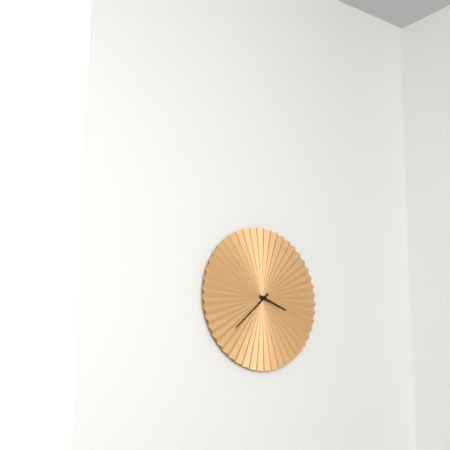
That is 3,38
